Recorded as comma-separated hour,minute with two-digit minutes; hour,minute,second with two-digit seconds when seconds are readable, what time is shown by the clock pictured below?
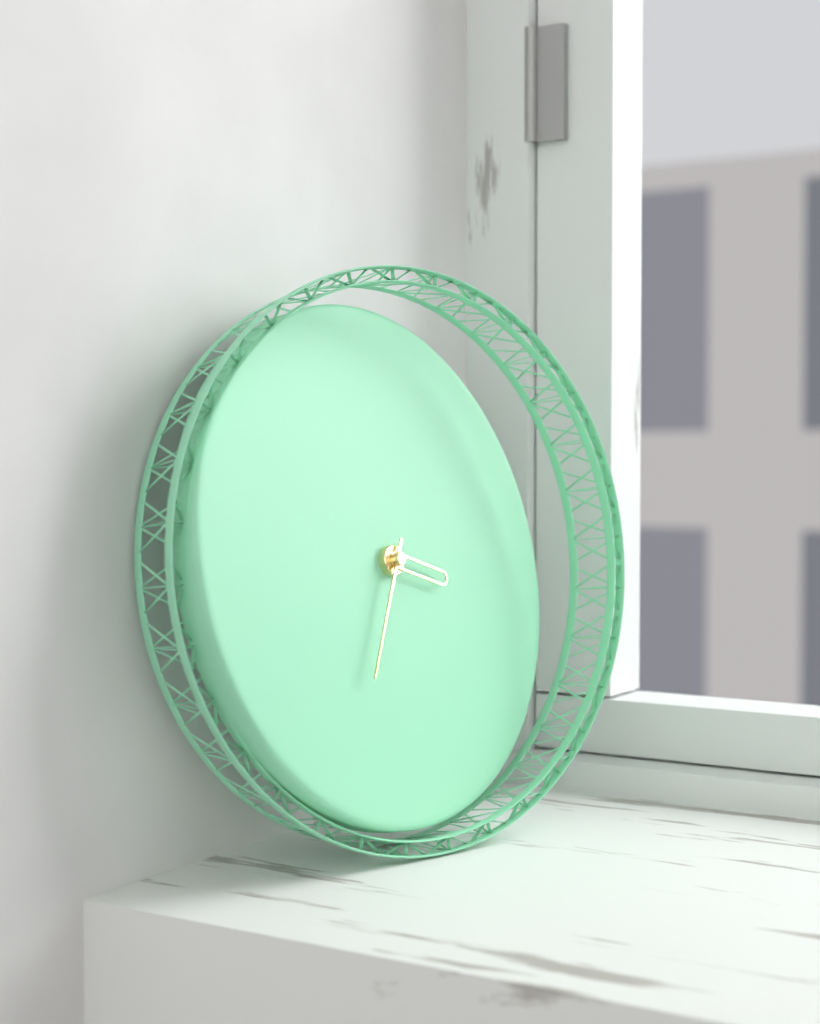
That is 3,35
